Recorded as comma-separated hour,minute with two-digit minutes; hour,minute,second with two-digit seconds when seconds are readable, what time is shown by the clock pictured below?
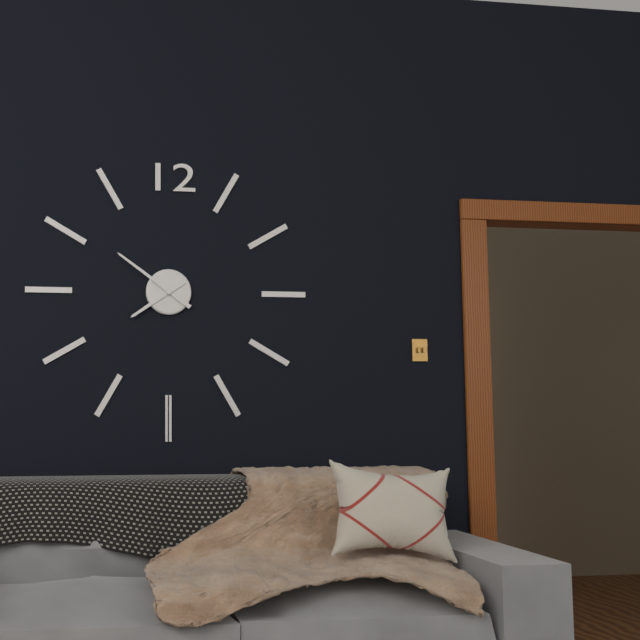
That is 7,51
